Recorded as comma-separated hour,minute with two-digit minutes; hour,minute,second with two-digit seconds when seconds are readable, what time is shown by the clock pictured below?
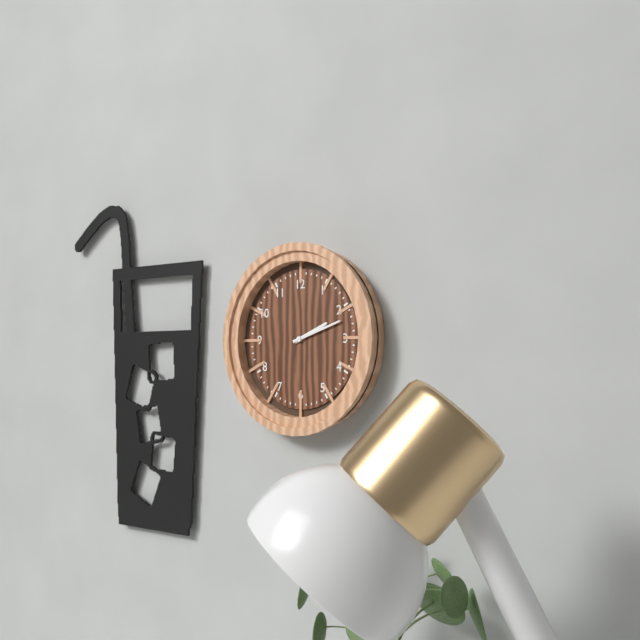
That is 2,12
